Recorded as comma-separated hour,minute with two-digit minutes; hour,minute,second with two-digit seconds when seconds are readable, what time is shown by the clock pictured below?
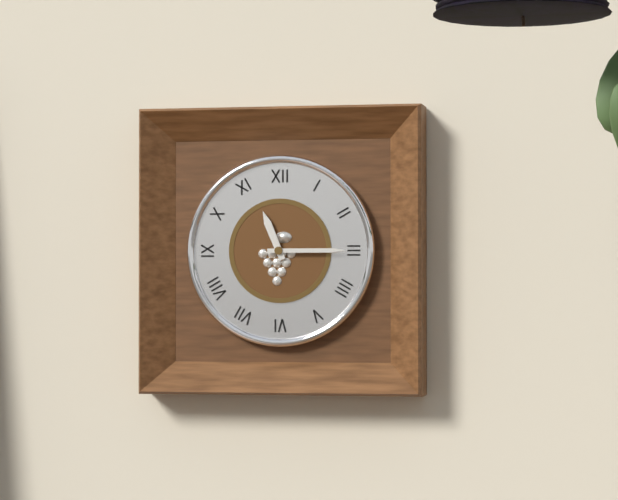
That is 11,15
